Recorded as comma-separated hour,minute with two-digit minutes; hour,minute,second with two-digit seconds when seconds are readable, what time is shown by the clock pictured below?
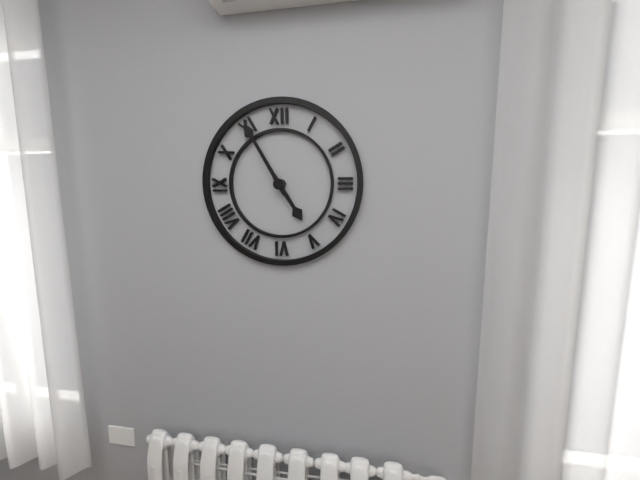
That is 4,55
